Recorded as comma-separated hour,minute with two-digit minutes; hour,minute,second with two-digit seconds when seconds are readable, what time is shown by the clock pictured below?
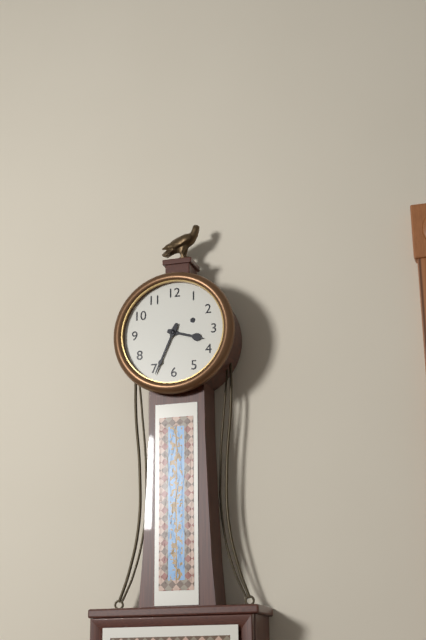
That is 3,34
